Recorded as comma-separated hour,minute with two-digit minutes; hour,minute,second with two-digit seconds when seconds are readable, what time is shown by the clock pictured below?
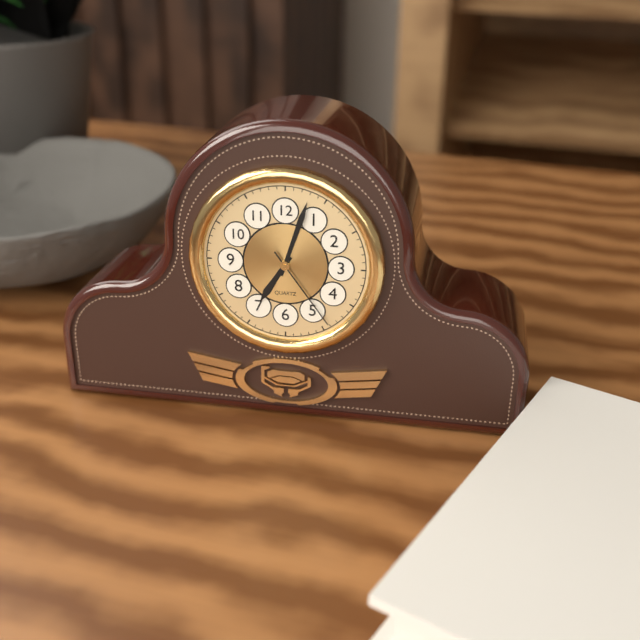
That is 7,03,24
